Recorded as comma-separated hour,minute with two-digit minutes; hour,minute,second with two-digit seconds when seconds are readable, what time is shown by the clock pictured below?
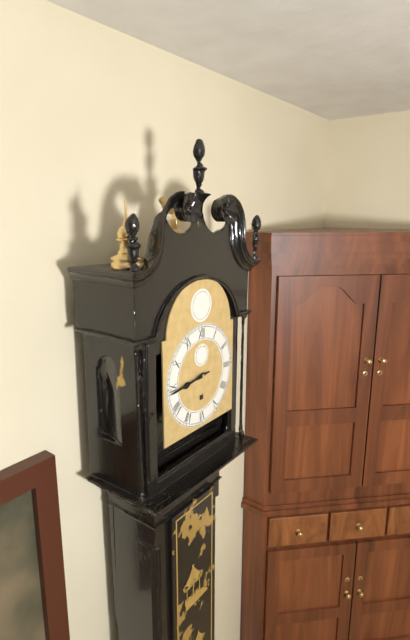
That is 8,44
